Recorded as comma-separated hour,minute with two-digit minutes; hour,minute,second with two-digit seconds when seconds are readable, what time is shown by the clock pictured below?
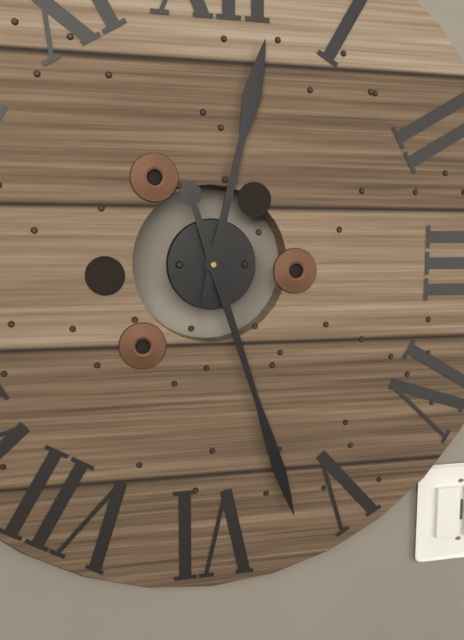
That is 12,27
